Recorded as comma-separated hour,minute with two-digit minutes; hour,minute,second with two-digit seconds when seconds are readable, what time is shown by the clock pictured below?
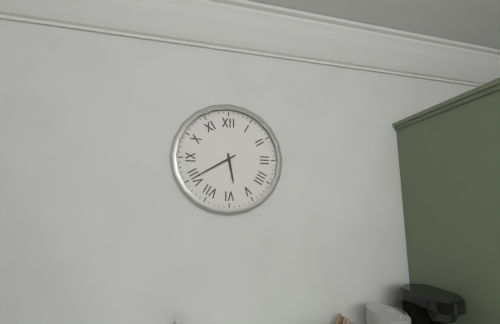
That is 5,40
